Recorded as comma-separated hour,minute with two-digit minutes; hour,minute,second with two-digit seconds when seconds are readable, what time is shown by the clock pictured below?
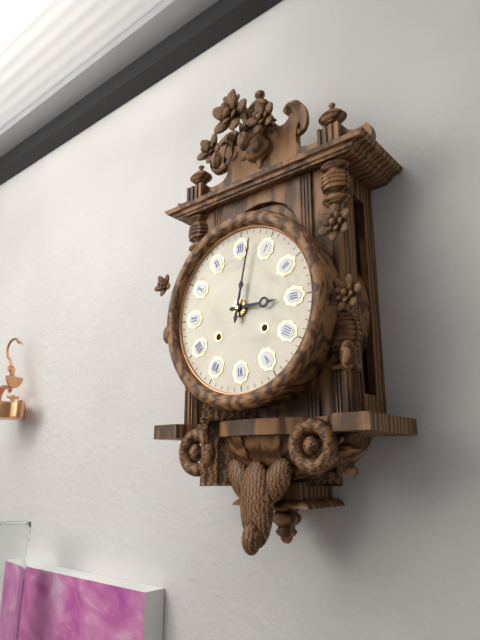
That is 3,02
